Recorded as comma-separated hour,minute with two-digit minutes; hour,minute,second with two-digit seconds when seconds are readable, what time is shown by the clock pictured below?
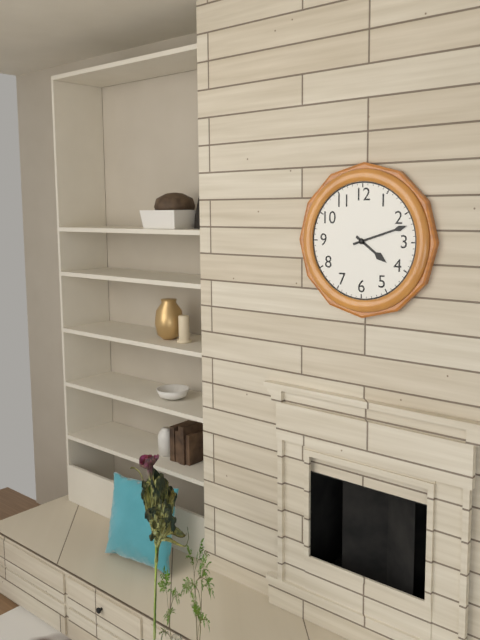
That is 4,12
